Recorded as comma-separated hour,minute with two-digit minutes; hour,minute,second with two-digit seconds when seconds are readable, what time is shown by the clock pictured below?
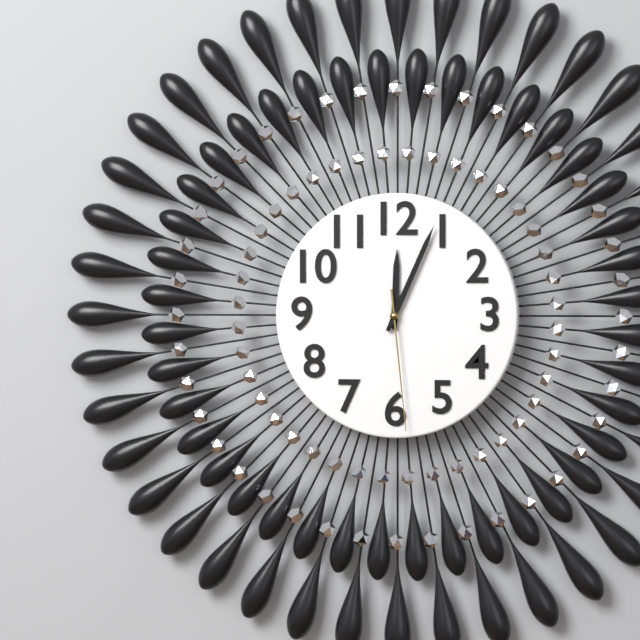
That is 12,04,29
